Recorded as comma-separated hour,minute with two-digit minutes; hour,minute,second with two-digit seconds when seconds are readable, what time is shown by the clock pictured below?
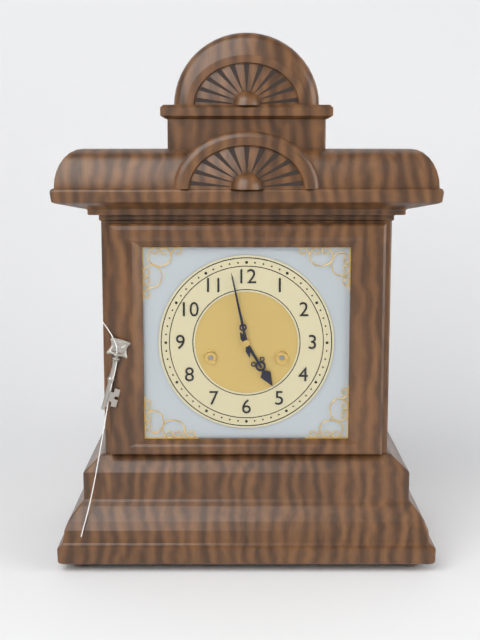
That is 4,58
